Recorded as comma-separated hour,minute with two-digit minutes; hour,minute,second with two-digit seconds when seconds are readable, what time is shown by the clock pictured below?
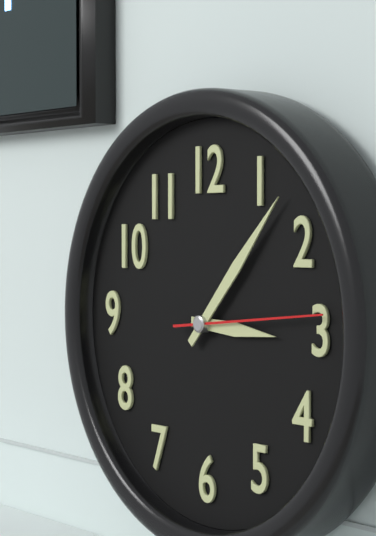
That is 3,07,14
